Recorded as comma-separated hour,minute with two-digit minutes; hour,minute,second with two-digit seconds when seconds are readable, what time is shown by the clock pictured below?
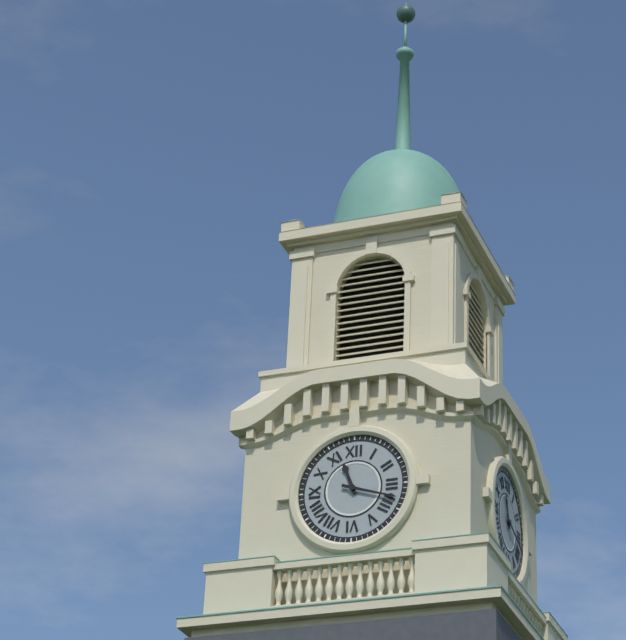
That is 11,18
